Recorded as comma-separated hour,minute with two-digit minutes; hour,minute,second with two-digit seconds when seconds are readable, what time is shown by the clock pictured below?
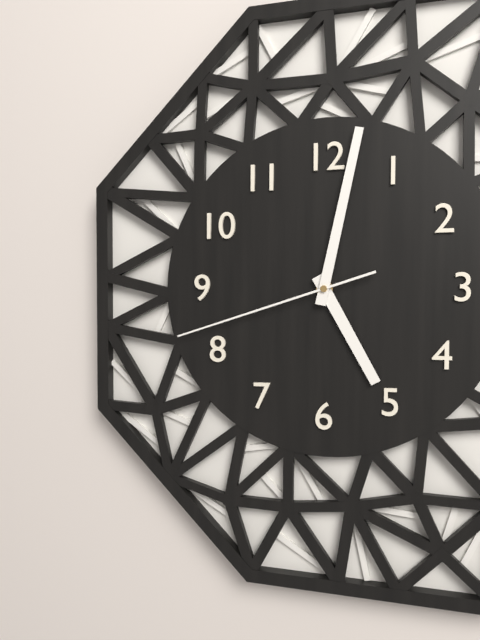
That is 5,02,42
